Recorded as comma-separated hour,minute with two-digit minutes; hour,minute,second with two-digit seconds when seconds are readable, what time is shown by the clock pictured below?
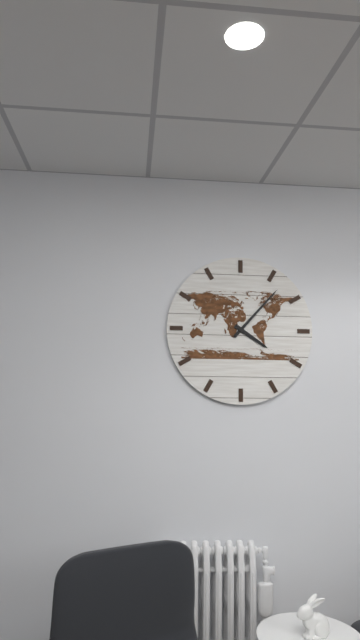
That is 4,07
